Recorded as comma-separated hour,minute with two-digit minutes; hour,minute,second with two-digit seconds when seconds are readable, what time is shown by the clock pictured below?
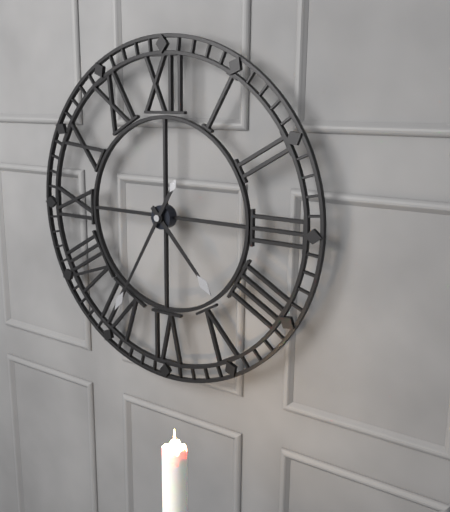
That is 4,35
